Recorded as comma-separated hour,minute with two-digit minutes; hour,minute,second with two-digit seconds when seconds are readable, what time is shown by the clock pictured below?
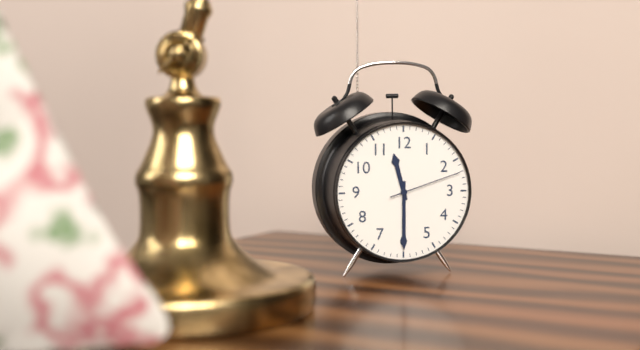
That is 11,30,12
